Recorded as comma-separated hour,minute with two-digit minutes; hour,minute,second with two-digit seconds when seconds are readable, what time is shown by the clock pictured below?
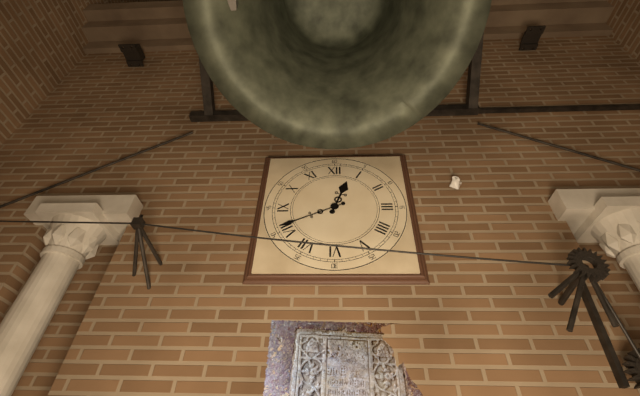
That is 12,41
